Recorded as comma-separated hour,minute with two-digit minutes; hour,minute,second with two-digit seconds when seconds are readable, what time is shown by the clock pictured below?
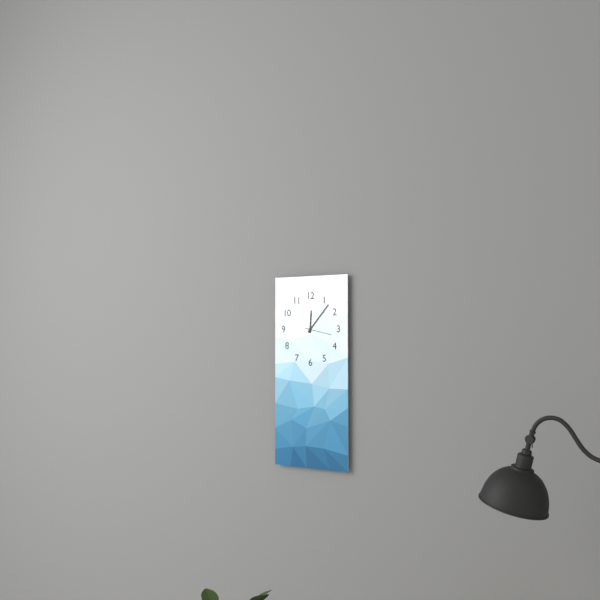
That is 12,07
